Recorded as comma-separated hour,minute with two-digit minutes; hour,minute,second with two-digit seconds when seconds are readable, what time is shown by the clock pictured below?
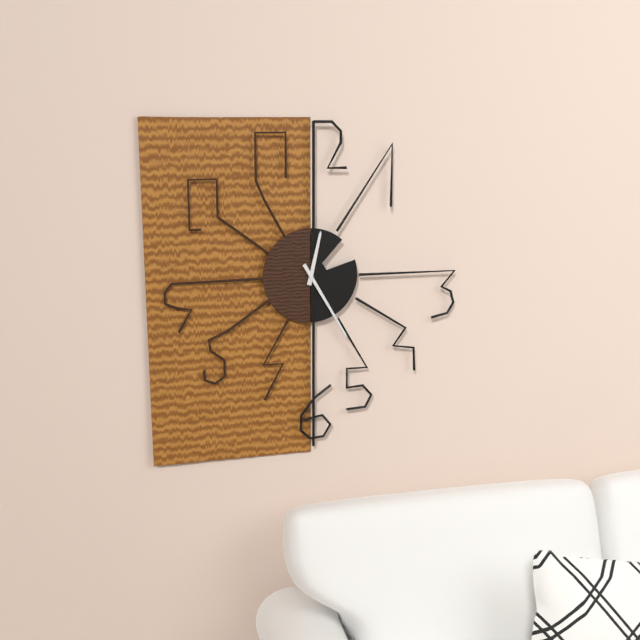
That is 12,25
